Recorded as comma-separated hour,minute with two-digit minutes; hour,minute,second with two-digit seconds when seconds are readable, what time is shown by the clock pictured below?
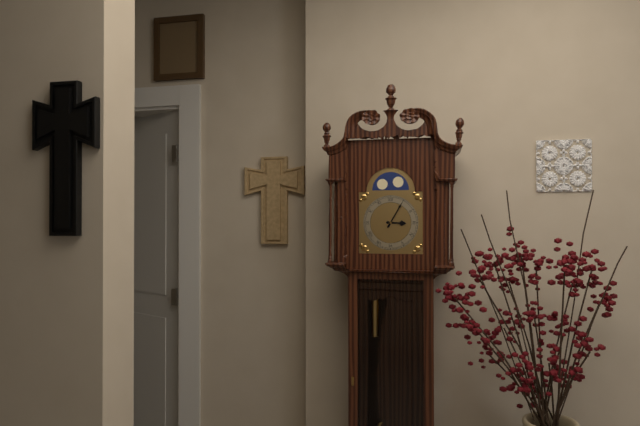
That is 3,05
